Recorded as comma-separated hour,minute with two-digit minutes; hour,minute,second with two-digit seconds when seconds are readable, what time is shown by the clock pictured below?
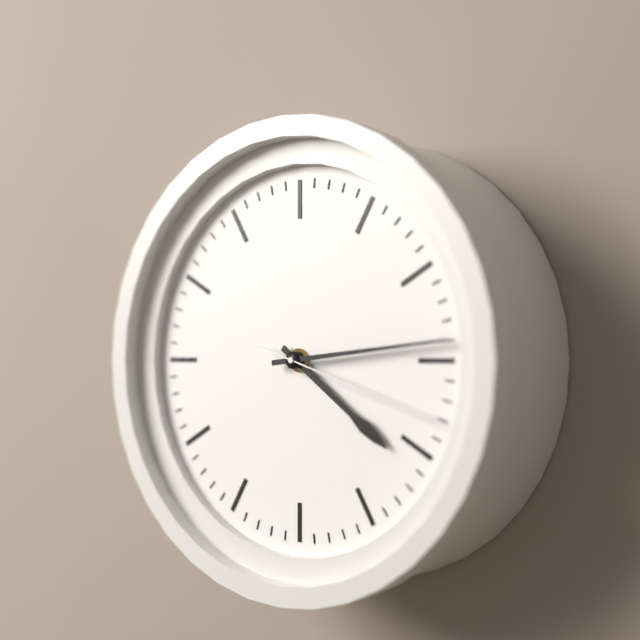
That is 4,14,18
